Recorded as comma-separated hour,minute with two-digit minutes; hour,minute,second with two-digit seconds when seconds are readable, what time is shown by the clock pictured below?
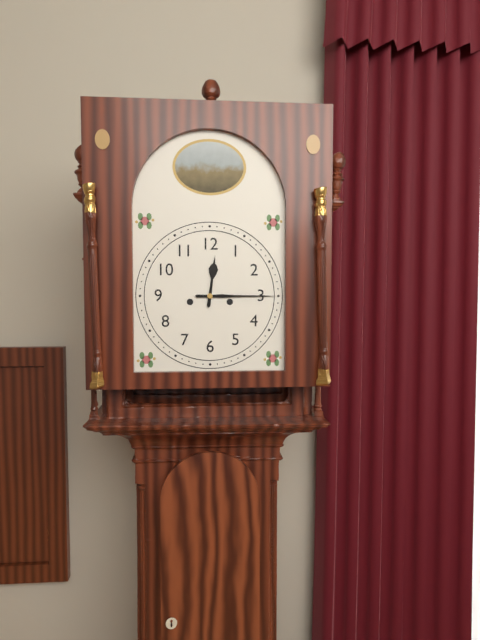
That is 12,15
